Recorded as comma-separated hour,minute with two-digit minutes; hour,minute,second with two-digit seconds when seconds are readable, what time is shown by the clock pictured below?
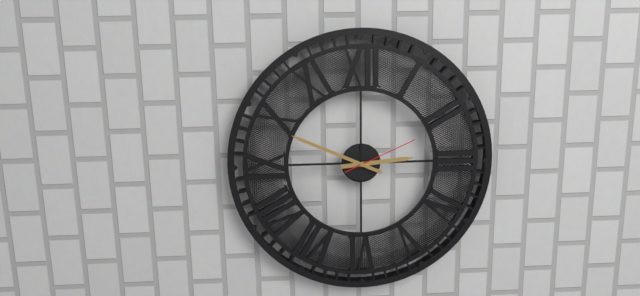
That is 2,49,11
